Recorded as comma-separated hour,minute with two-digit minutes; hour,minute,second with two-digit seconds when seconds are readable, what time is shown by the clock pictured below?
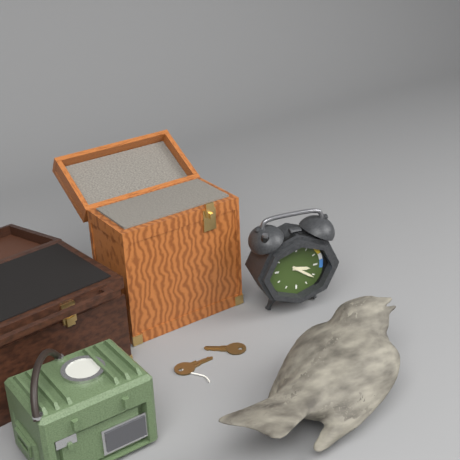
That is 3,21
